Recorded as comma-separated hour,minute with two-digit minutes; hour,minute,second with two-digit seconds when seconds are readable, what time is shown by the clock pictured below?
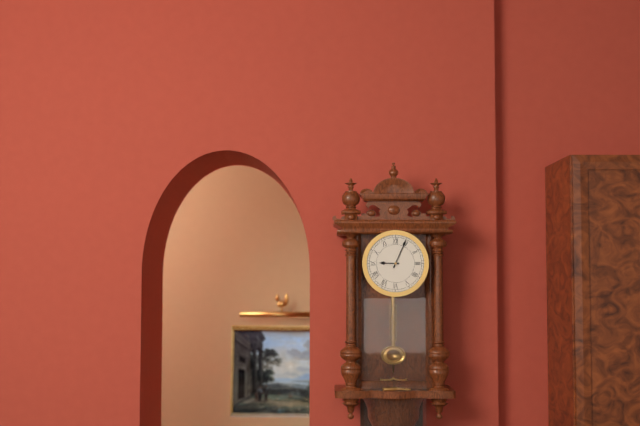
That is 9,04
